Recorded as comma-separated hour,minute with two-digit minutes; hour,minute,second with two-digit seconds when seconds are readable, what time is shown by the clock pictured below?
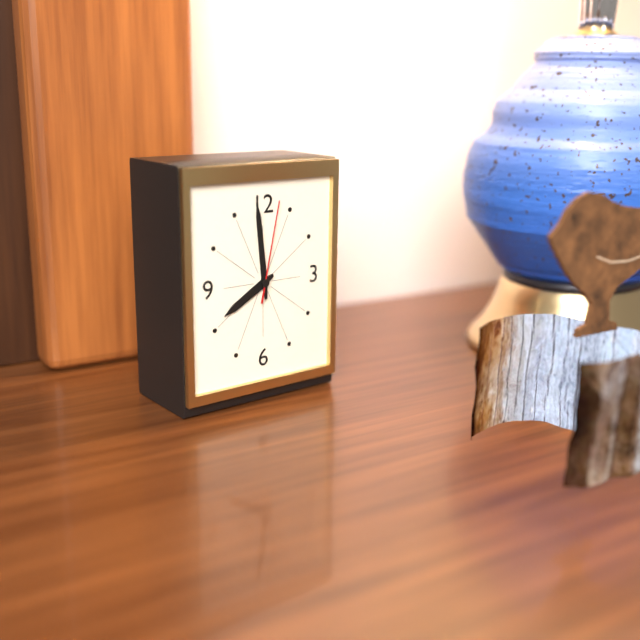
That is 7,59,02
